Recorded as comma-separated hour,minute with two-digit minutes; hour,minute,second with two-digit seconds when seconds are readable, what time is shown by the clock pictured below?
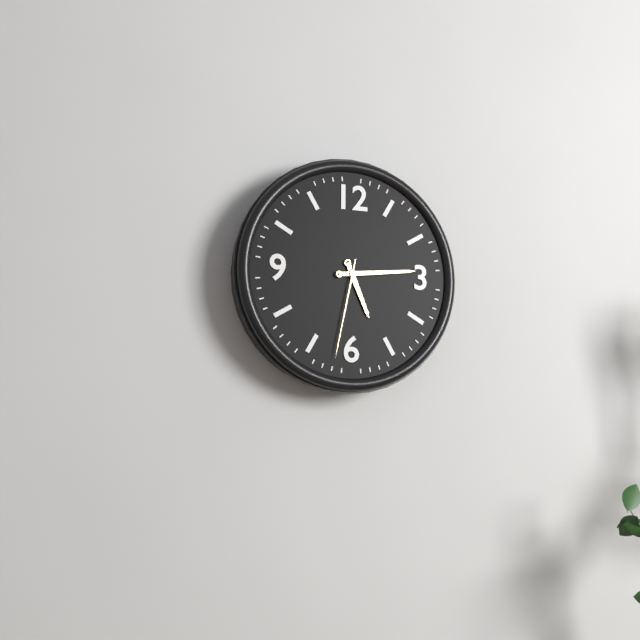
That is 5,14,32
